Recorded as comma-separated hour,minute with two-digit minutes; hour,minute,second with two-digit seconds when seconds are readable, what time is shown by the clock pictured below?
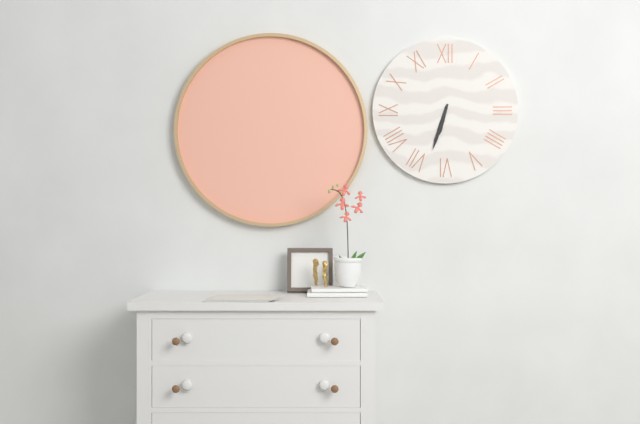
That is 6,33
